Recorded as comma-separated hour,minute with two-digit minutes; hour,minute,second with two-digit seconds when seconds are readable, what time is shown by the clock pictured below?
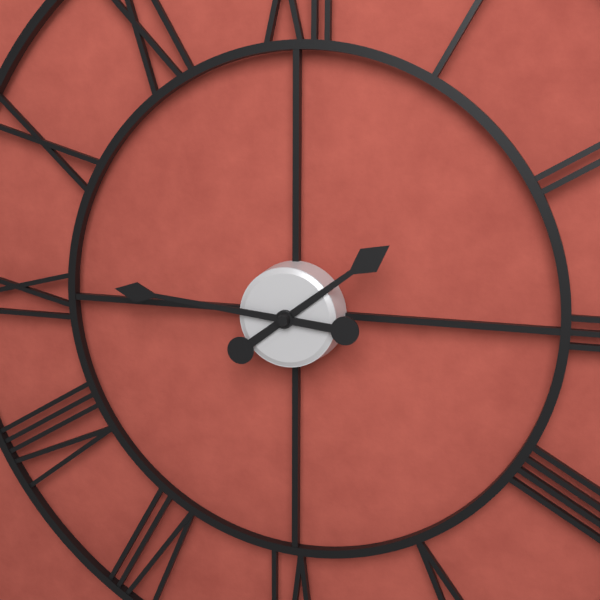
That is 1,46
